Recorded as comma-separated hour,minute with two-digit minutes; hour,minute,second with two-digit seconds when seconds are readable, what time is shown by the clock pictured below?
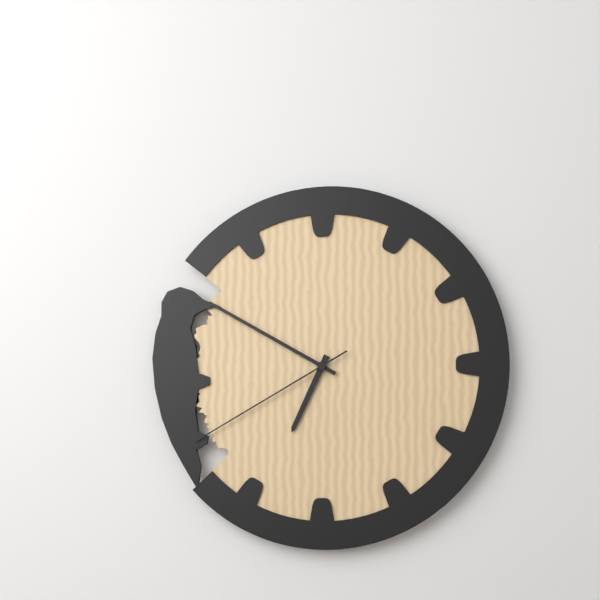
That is 6,50,40
